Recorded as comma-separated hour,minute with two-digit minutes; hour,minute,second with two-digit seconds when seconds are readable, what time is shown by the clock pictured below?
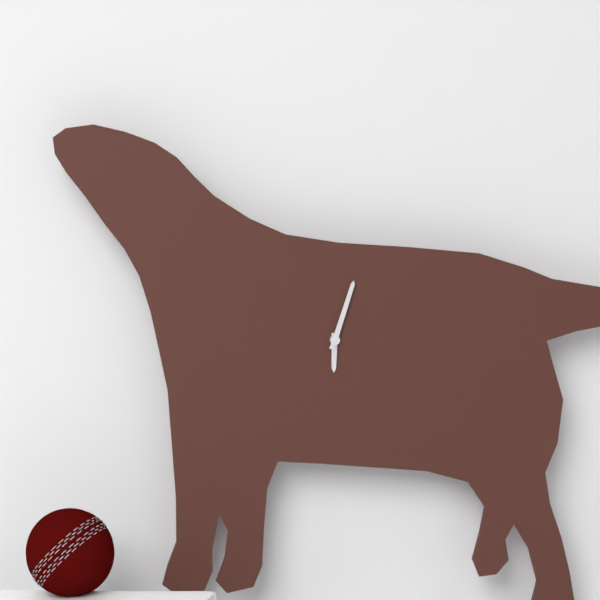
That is 6,03
